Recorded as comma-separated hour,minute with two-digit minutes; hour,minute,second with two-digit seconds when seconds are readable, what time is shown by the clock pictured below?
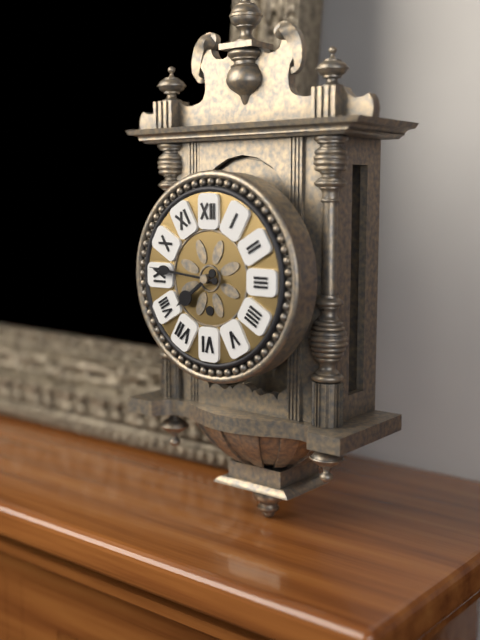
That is 7,46
